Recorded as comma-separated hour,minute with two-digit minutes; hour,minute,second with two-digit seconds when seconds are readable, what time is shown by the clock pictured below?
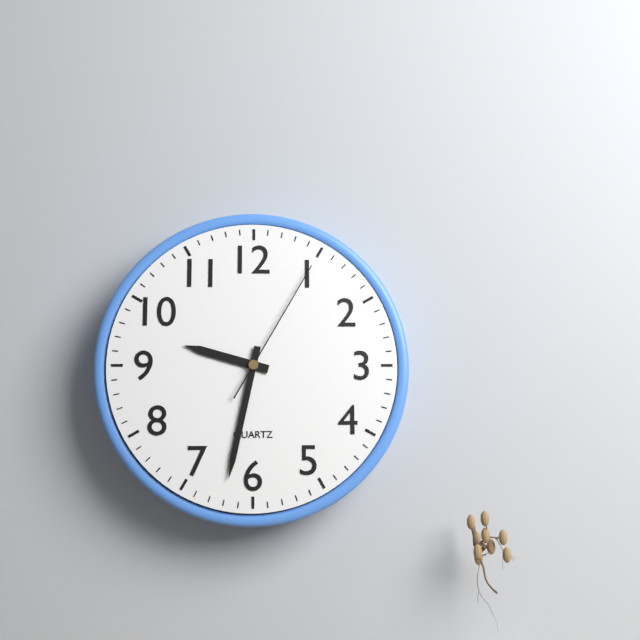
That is 9,32,05
